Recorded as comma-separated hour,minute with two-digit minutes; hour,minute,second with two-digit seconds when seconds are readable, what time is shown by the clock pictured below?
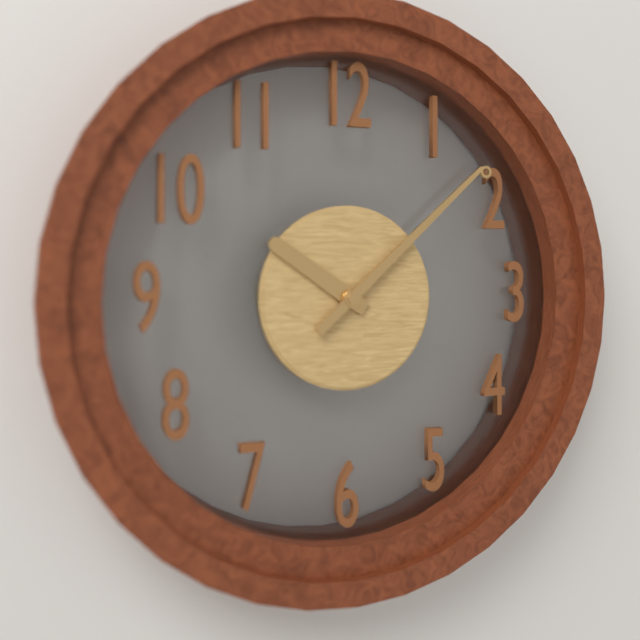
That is 10,08
